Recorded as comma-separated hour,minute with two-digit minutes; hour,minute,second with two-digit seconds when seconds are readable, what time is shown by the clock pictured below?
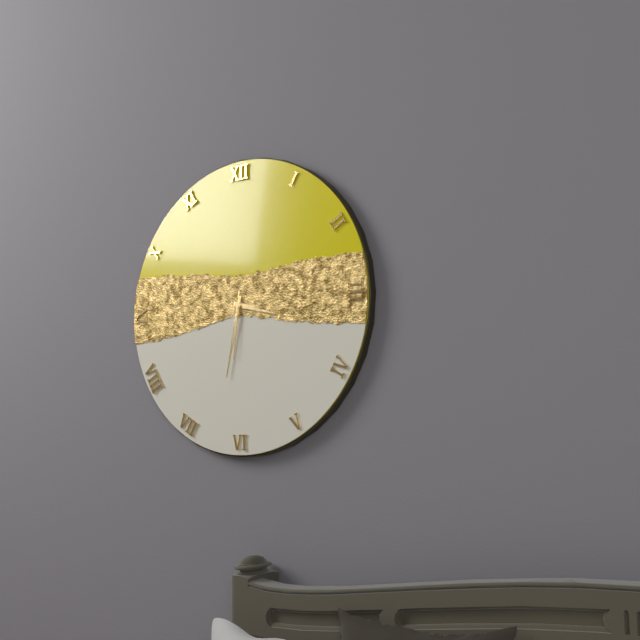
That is 3,32,31
